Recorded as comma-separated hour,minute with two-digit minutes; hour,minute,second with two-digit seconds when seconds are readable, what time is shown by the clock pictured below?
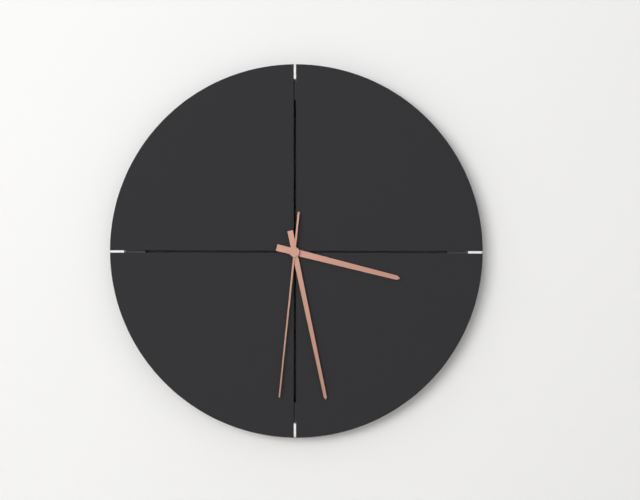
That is 3,28,31
